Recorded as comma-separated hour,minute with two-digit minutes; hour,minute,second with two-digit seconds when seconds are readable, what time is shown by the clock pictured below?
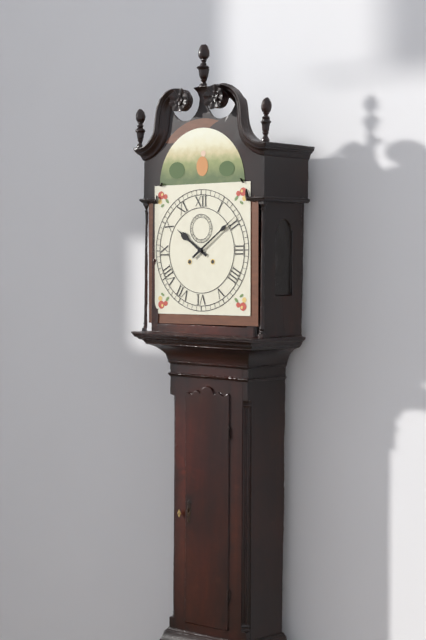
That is 10,09
